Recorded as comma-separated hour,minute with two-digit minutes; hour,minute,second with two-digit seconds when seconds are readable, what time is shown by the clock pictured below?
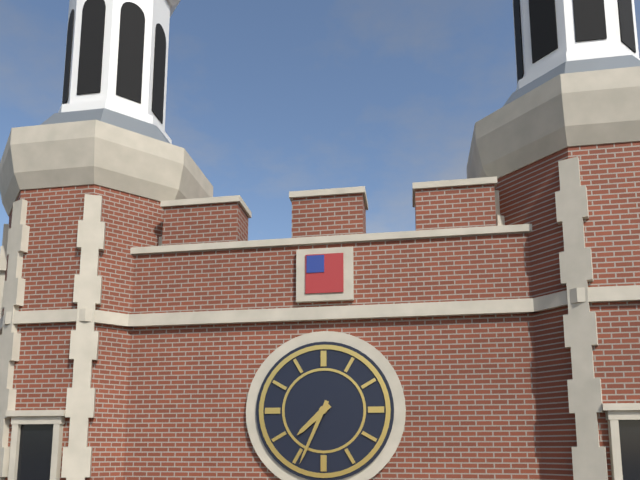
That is 7,34
